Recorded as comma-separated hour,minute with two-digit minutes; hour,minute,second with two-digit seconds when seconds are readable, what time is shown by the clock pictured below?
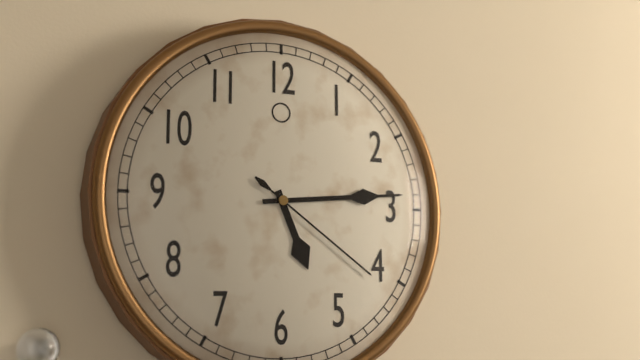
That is 5,14,21
